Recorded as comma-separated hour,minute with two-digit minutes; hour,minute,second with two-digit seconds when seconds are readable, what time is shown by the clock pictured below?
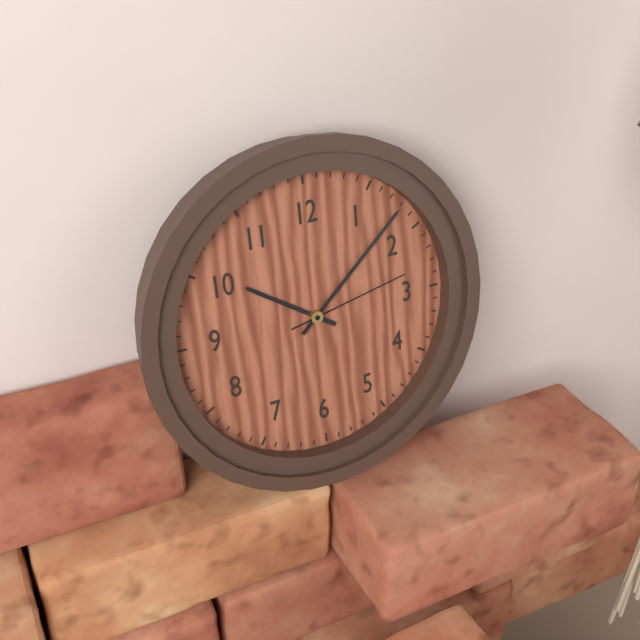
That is 10,08,13
